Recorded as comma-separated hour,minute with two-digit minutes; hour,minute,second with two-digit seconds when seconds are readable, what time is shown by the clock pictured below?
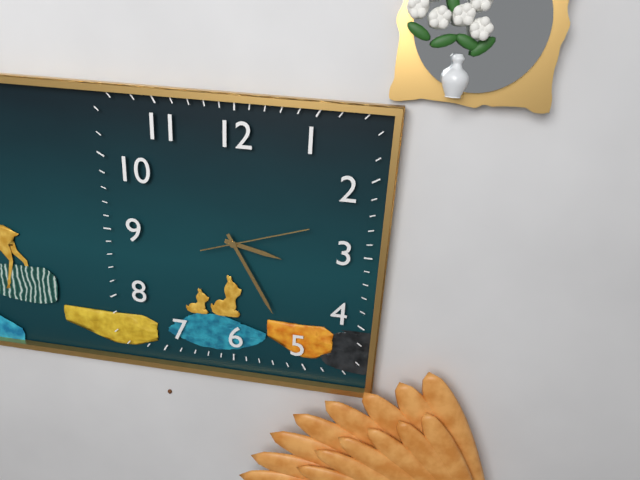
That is 3,25,12
